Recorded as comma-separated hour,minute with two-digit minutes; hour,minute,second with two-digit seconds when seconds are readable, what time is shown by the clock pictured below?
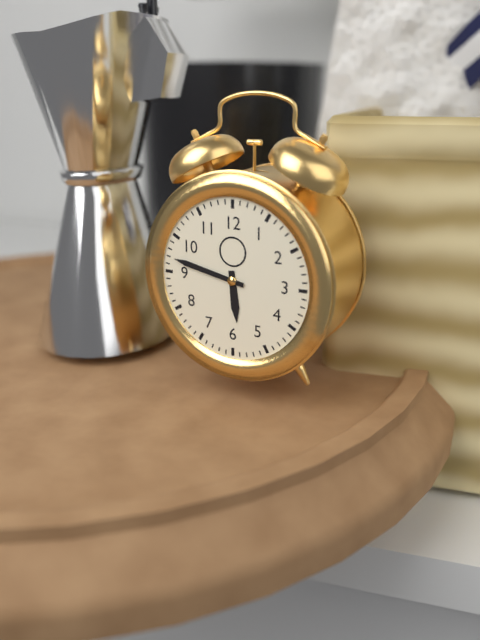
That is 5,47
